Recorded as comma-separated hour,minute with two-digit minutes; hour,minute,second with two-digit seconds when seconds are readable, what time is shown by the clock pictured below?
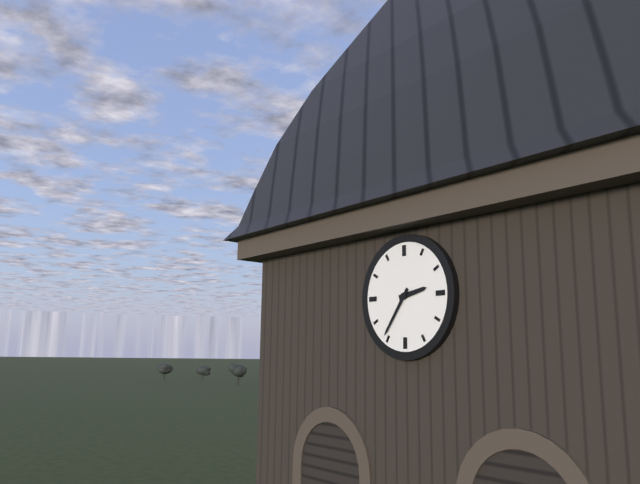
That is 2,36
